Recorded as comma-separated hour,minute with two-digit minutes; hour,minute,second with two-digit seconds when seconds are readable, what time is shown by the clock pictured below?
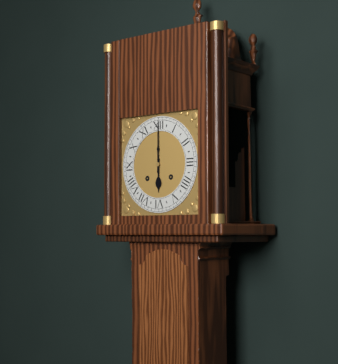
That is 6,00
